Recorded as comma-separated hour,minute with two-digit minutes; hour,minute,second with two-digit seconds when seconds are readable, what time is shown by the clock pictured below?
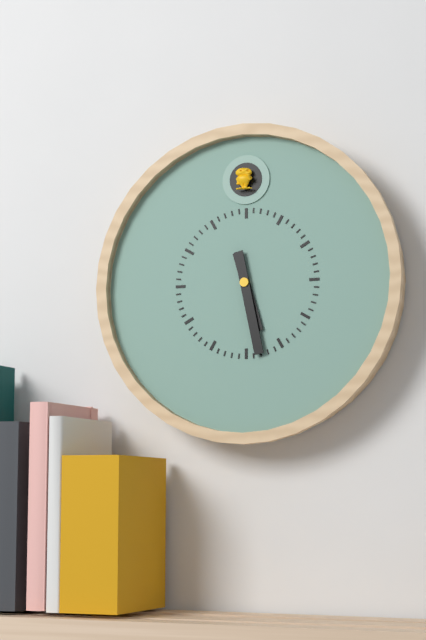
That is 5,28
